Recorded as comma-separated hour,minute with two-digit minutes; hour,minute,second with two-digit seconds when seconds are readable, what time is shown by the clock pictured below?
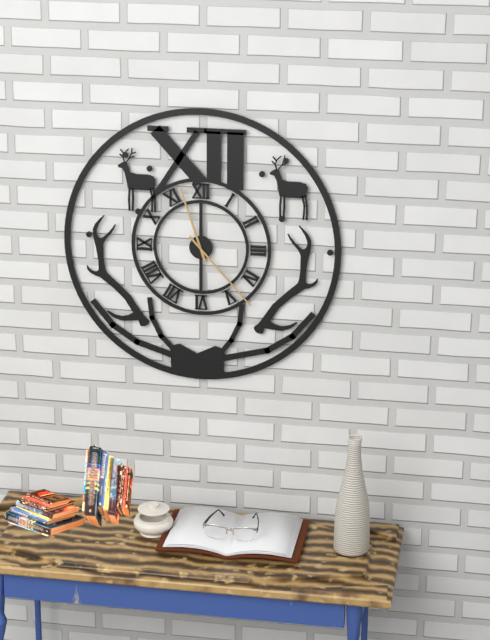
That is 11,23
